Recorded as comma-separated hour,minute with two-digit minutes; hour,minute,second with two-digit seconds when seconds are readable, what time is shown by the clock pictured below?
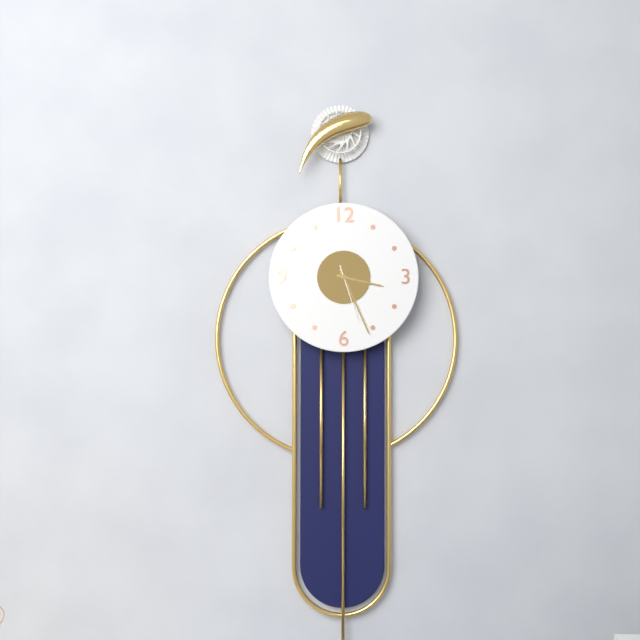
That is 3,26,27
